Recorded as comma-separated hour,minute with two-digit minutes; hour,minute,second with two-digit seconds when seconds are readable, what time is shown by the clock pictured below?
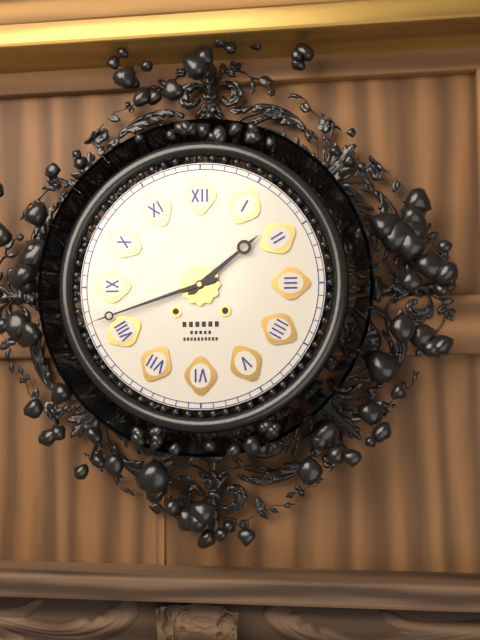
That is 1,42
